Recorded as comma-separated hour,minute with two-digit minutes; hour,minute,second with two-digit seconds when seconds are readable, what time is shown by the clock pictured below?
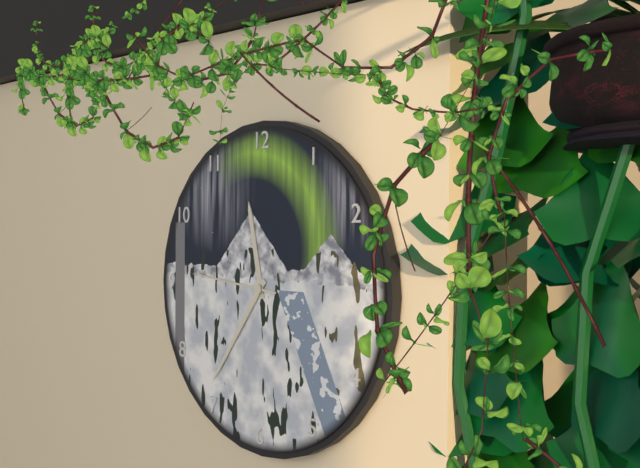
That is 11,36,46
